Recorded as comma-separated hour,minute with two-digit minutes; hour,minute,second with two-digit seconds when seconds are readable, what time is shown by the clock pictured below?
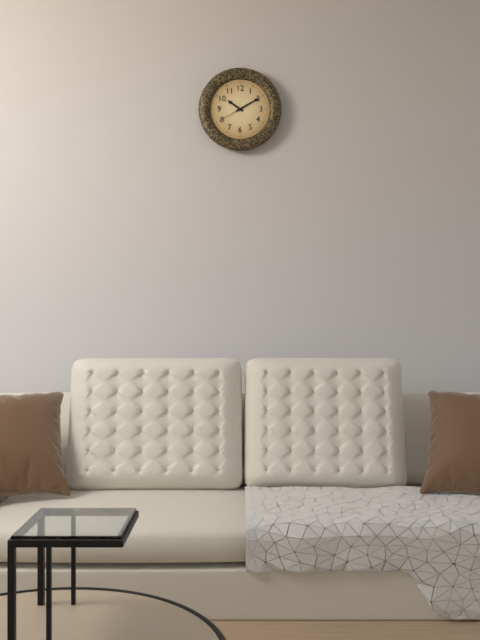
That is 10,10
